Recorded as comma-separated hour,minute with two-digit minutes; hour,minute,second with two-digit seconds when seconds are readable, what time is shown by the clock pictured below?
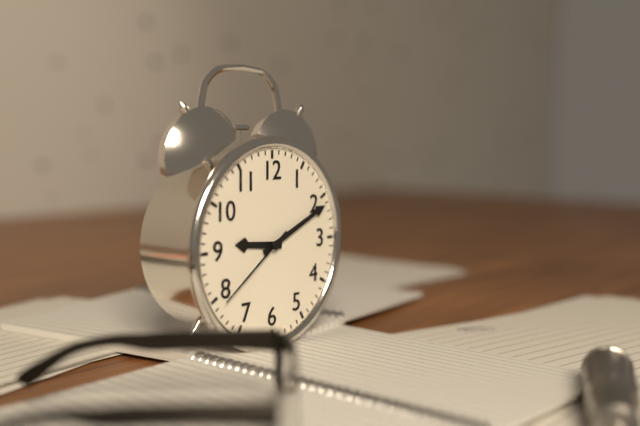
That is 9,11,39
